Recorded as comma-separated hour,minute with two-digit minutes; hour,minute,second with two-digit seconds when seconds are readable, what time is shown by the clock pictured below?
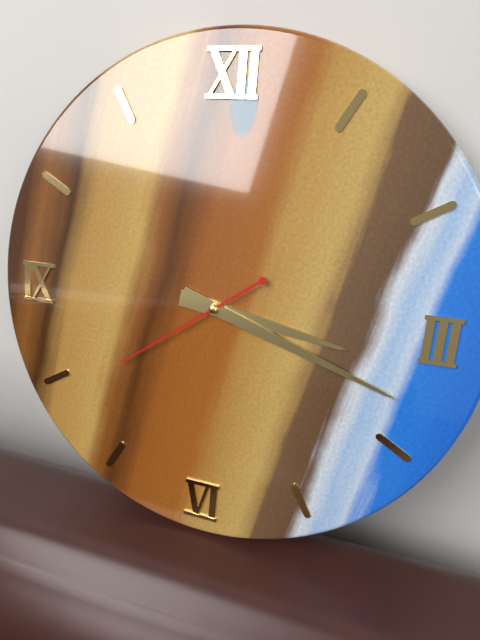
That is 3,18,39
